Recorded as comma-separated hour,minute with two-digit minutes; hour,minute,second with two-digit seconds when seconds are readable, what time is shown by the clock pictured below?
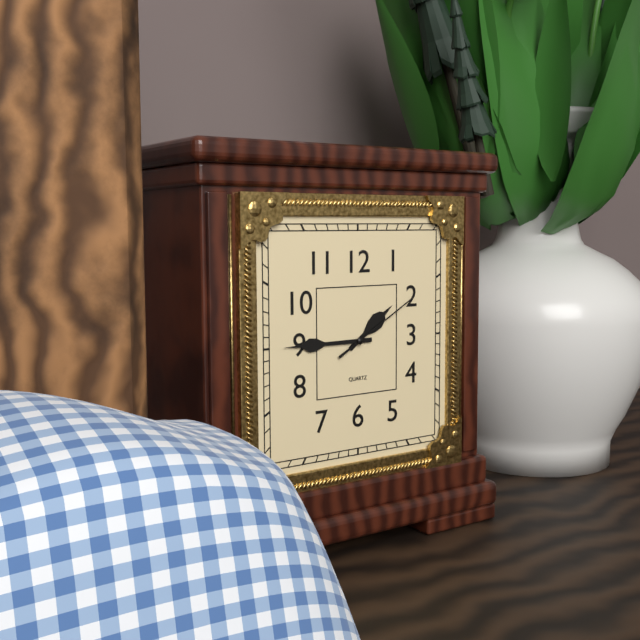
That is 1,45,10
